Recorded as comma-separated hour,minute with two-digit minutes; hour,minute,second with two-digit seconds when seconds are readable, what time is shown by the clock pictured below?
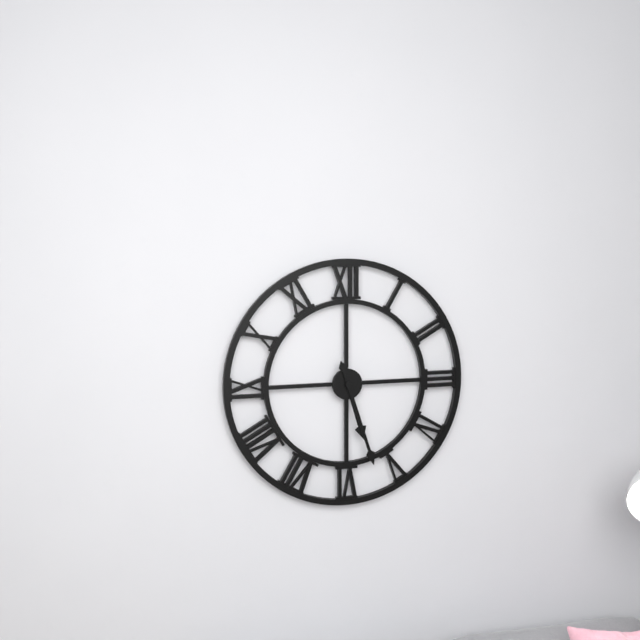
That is 5,27
